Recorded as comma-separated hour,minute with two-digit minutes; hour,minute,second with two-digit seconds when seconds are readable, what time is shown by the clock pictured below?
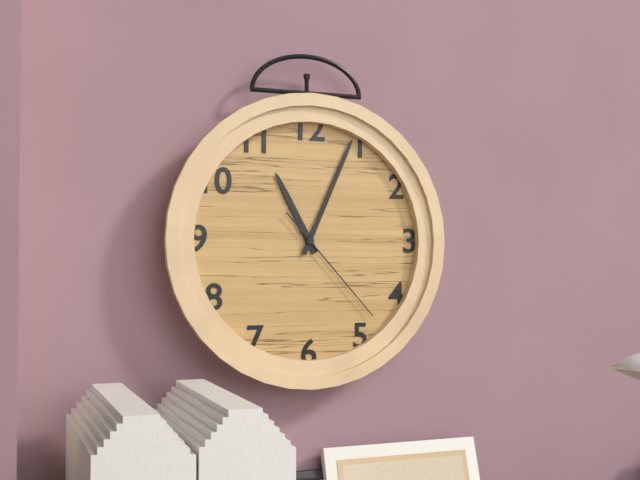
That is 11,04,23
